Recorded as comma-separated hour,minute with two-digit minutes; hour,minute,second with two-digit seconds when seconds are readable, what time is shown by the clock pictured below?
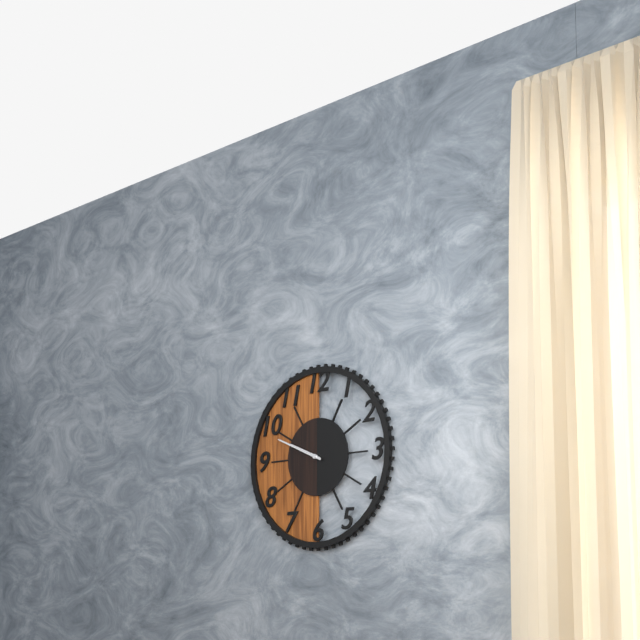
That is 9,49
